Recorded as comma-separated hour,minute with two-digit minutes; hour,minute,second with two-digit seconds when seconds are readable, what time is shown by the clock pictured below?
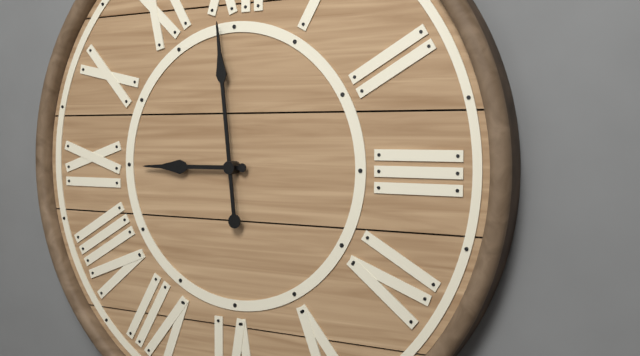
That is 8,59
